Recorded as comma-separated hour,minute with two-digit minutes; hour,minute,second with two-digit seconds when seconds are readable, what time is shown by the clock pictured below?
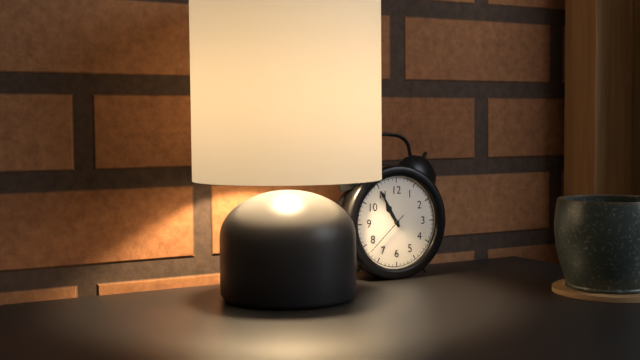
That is 10,55
